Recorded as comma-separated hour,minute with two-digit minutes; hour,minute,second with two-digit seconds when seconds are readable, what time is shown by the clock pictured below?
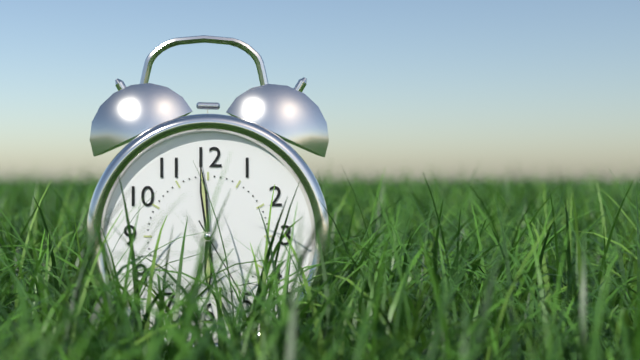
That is 5,59,25
